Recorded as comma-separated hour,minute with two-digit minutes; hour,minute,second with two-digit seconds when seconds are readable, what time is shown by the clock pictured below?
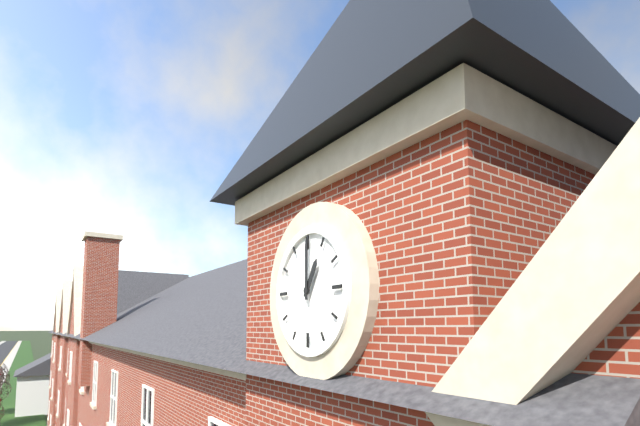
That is 1,00
